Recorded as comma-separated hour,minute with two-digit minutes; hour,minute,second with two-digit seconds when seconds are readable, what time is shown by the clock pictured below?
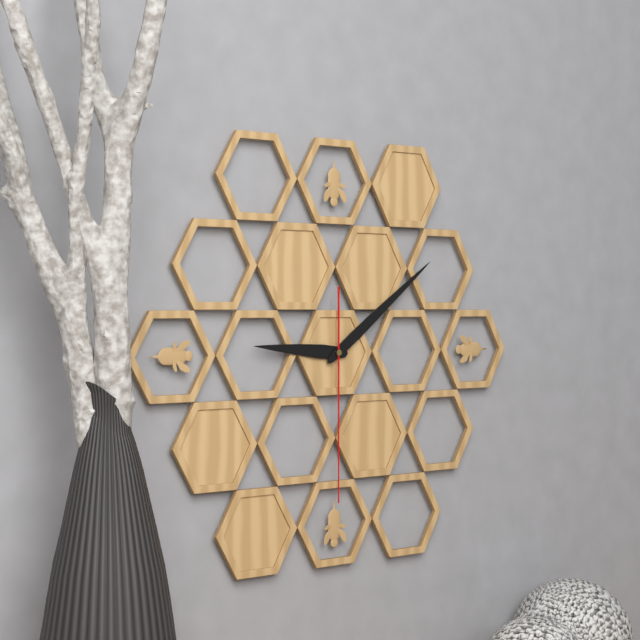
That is 9,09,30
